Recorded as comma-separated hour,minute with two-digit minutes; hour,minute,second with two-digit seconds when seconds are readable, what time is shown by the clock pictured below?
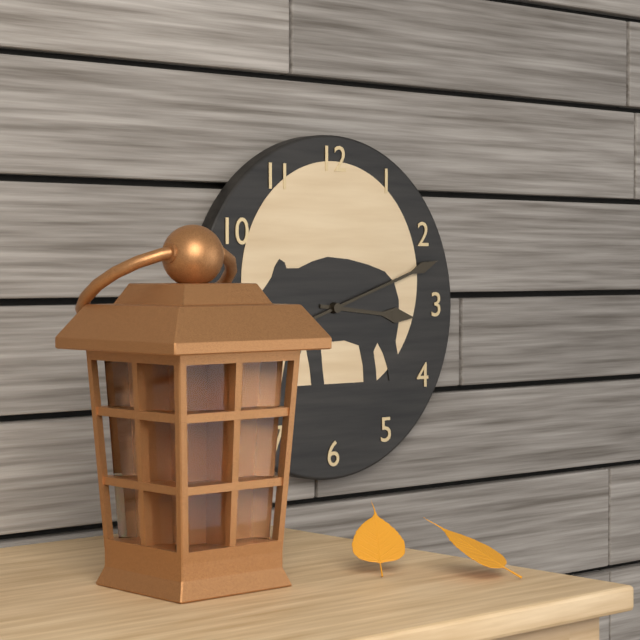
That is 3,12
